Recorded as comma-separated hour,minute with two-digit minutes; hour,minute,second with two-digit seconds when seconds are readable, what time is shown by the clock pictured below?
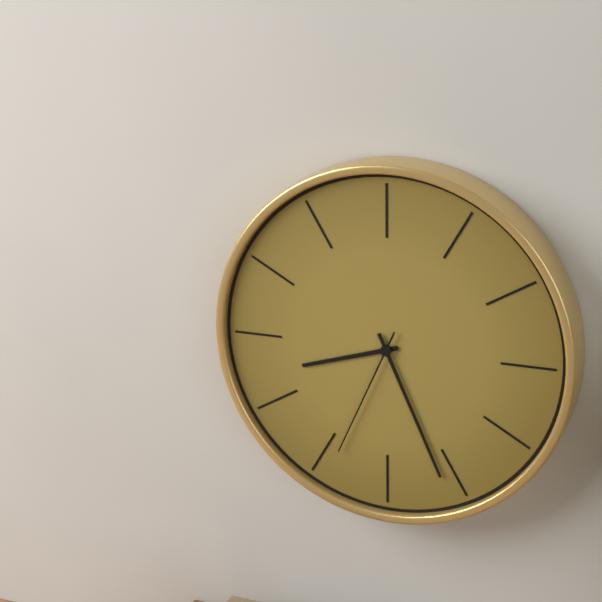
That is 8,26,34
